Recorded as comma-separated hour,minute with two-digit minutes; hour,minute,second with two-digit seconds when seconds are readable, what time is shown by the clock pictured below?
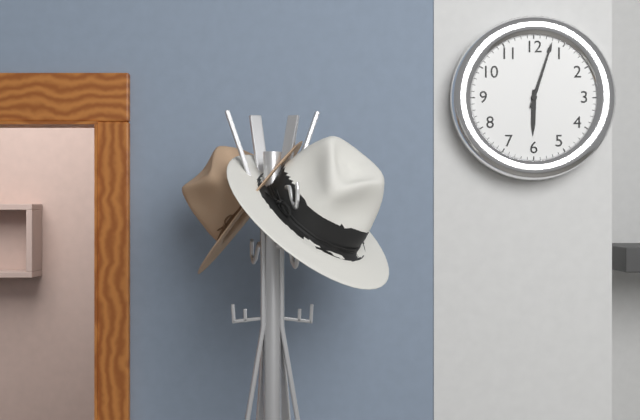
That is 6,03
